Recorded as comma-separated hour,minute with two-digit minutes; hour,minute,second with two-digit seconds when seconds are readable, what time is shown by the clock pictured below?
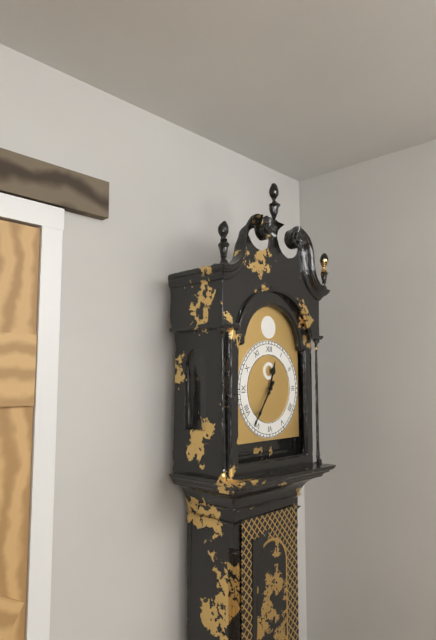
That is 12,36
